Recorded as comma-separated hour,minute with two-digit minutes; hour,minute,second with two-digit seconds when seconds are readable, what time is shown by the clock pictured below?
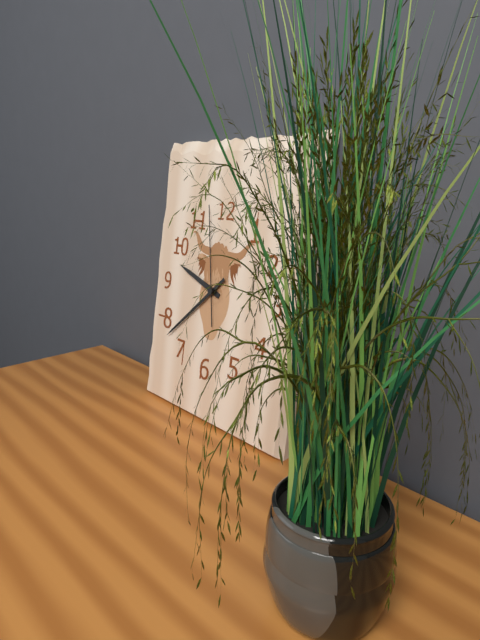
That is 9,38,58
